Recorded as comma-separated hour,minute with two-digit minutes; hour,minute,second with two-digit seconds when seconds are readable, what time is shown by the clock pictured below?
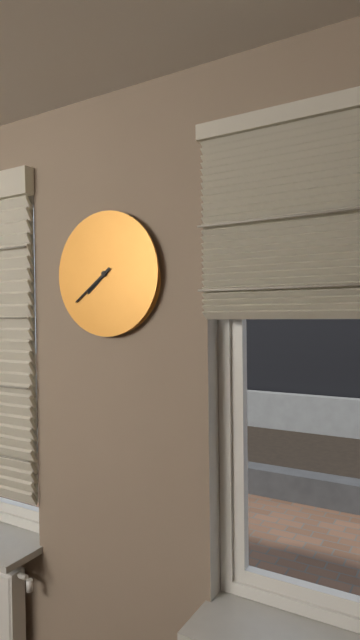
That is 7,39
